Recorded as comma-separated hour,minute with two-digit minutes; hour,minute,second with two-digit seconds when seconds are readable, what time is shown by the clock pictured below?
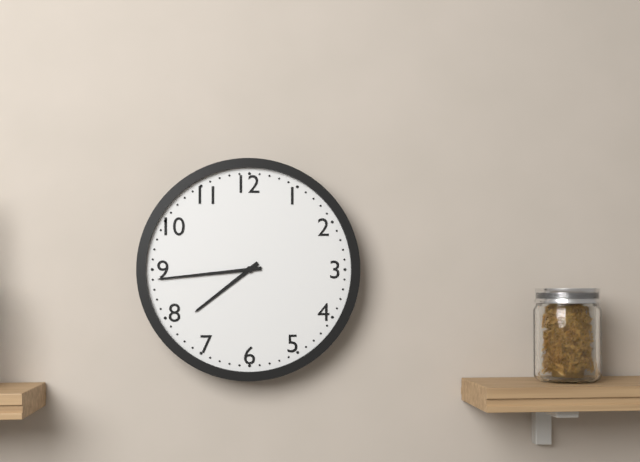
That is 7,44
